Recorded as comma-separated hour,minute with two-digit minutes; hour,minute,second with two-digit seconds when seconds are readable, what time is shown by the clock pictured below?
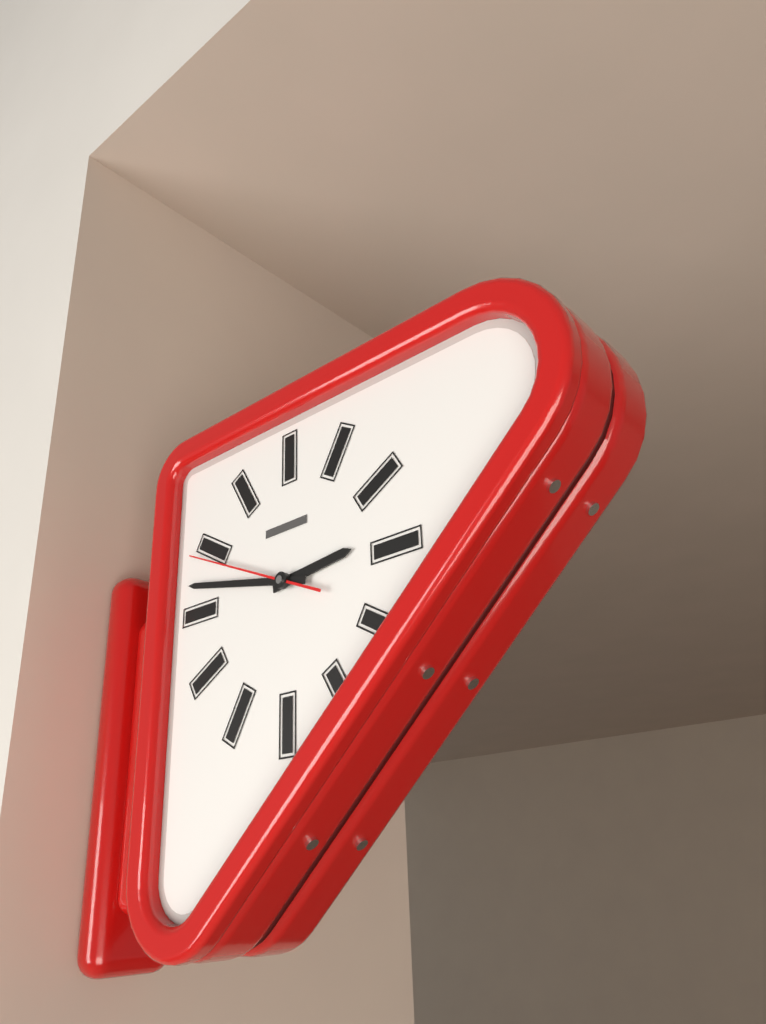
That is 2,47,49
